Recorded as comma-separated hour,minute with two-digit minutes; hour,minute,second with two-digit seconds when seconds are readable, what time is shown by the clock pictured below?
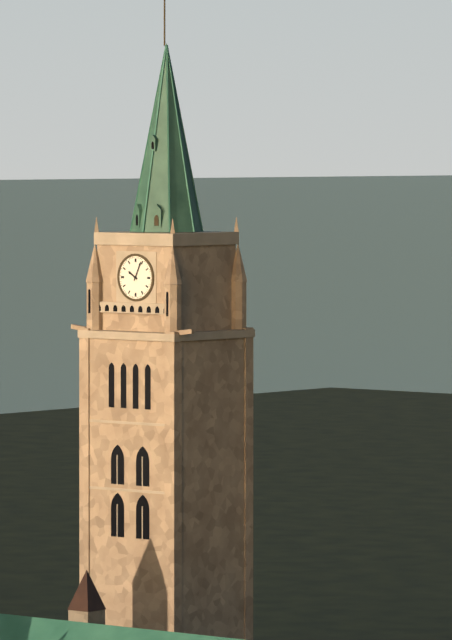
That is 10,04
